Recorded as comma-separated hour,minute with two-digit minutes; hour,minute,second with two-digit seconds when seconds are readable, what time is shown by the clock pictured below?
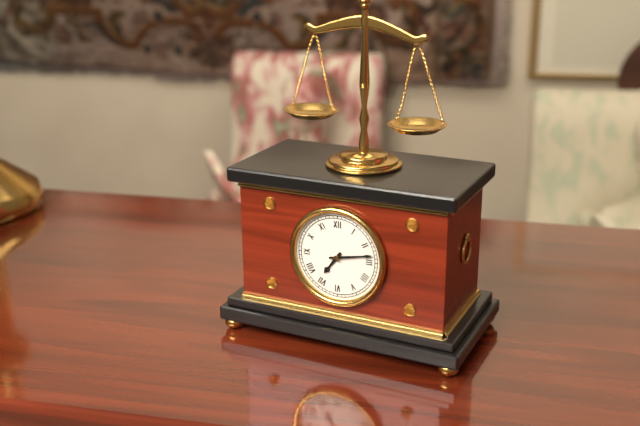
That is 7,13
